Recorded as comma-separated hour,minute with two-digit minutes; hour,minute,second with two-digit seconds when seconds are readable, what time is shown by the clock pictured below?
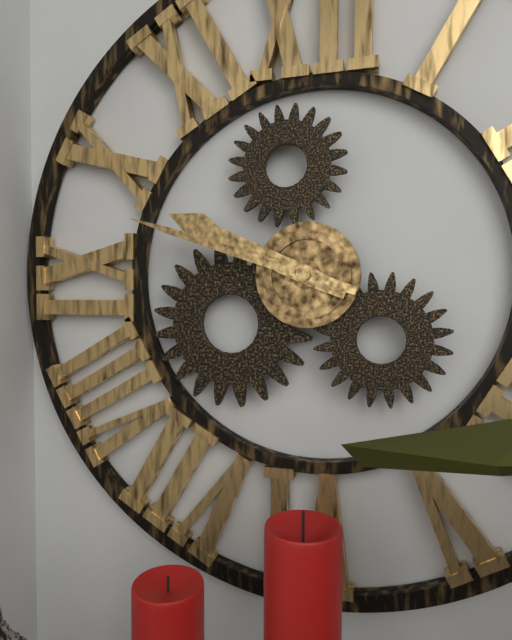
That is 9,48
